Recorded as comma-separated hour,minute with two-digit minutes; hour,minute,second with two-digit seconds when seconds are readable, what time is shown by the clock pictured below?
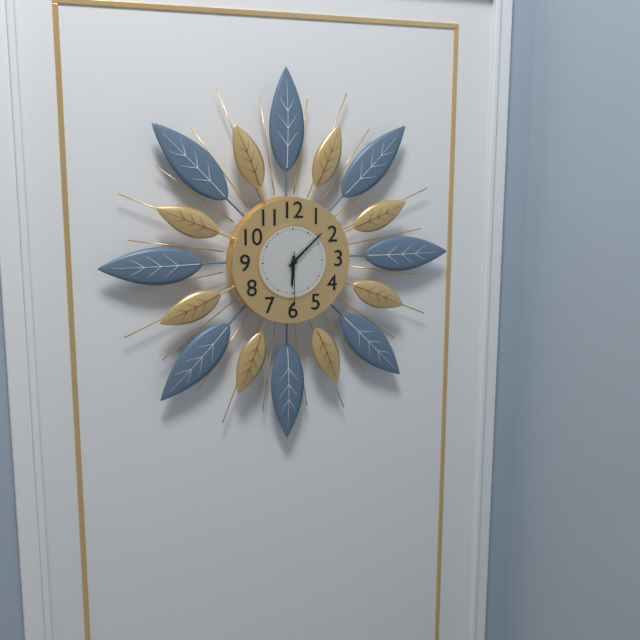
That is 6,08,30
